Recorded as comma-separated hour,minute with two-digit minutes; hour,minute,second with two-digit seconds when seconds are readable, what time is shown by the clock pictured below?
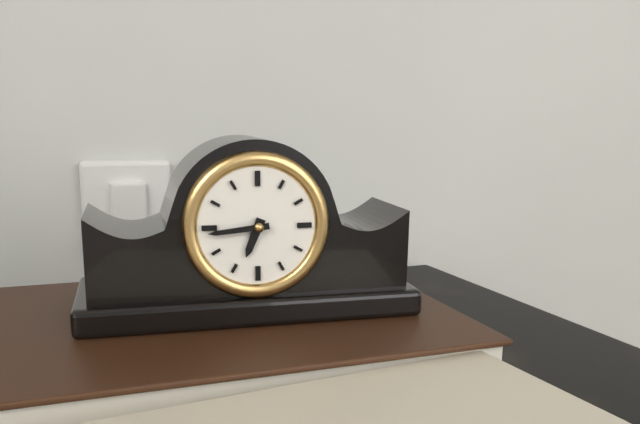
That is 6,44
